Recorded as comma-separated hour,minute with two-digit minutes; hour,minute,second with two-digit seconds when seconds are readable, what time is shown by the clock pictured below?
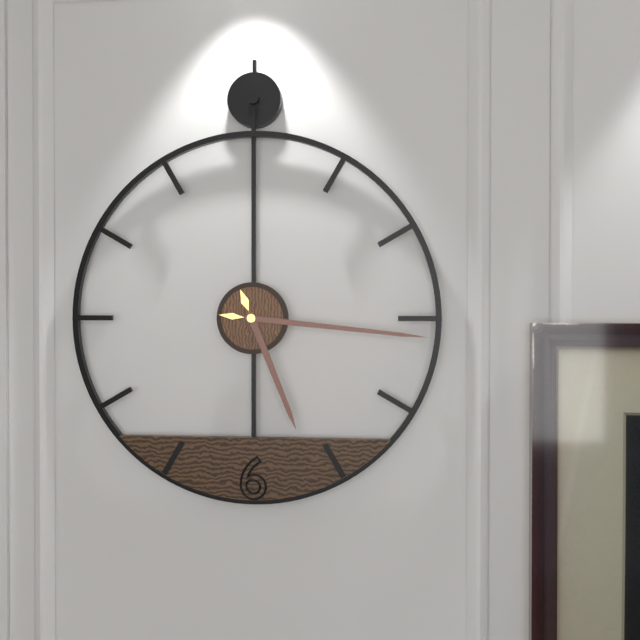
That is 5,16
